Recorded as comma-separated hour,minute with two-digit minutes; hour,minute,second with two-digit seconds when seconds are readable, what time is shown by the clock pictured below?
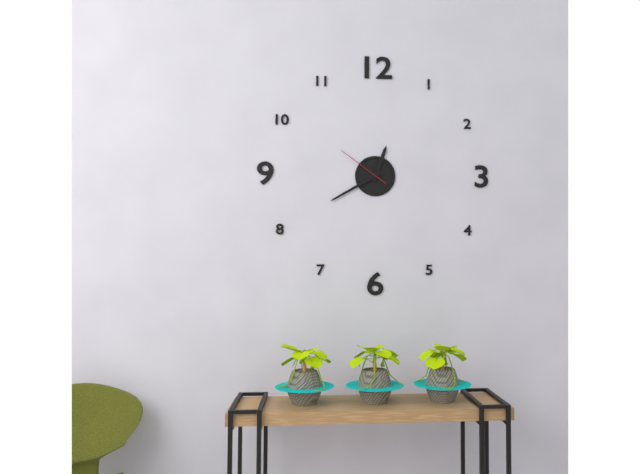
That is 12,40,51
